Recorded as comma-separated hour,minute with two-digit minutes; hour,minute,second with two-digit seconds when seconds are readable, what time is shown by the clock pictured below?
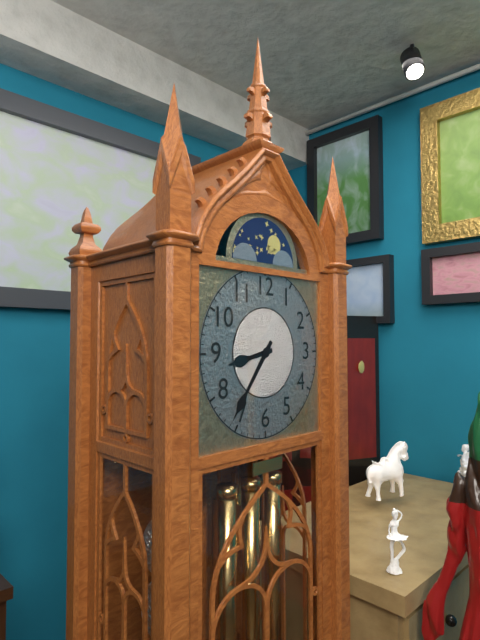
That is 8,36
